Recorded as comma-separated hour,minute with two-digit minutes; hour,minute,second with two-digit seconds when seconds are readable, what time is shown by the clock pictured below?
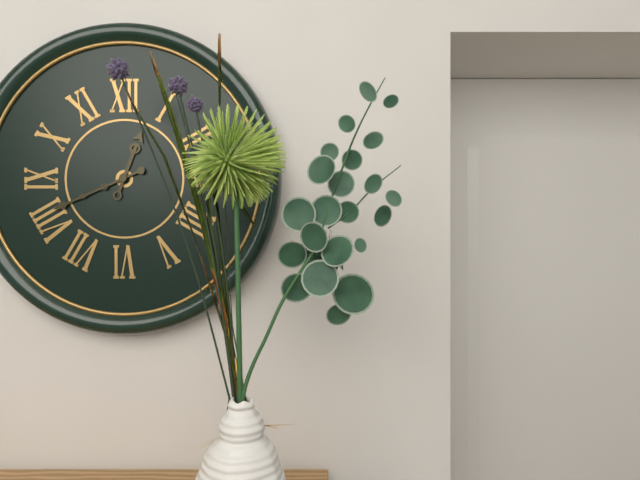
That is 12,41
